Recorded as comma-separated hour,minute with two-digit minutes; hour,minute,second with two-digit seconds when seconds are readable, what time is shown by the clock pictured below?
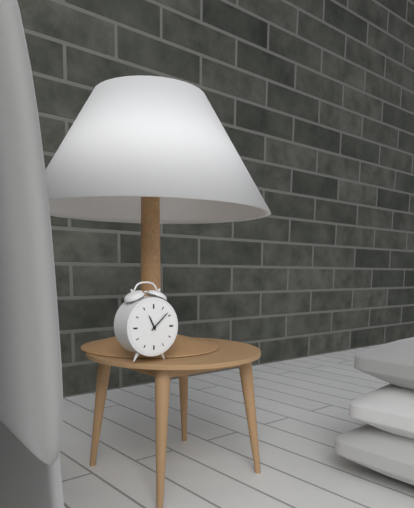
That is 11,08
